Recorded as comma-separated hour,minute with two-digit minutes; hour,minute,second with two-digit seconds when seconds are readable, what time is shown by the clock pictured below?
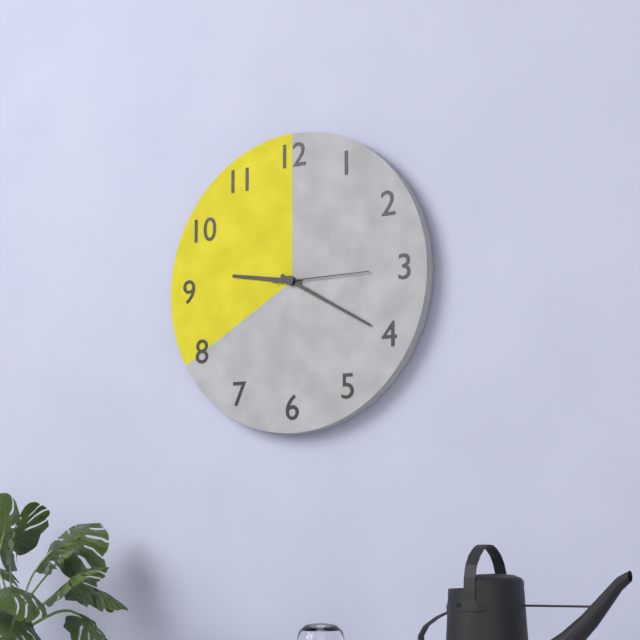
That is 9,20,15
